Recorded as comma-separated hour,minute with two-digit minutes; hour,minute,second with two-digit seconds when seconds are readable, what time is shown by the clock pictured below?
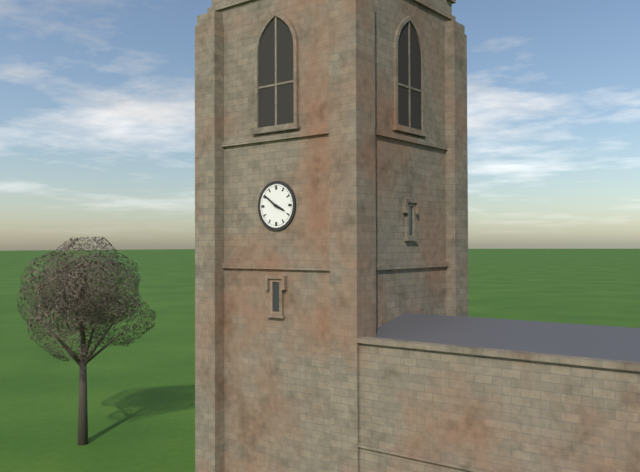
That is 3,51
